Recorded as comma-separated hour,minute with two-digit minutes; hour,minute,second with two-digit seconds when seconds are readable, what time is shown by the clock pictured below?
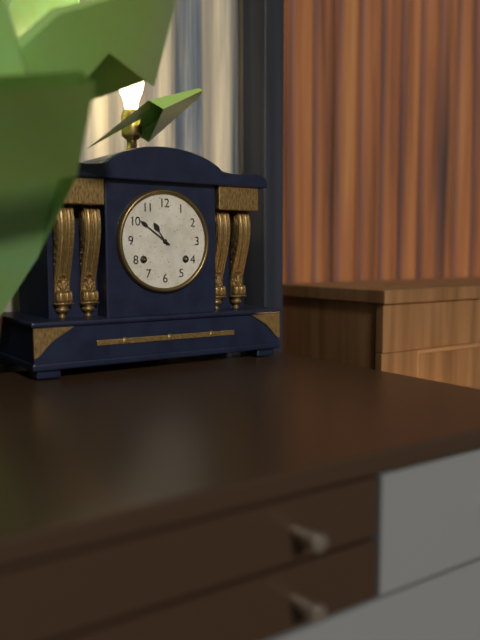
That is 10,51
